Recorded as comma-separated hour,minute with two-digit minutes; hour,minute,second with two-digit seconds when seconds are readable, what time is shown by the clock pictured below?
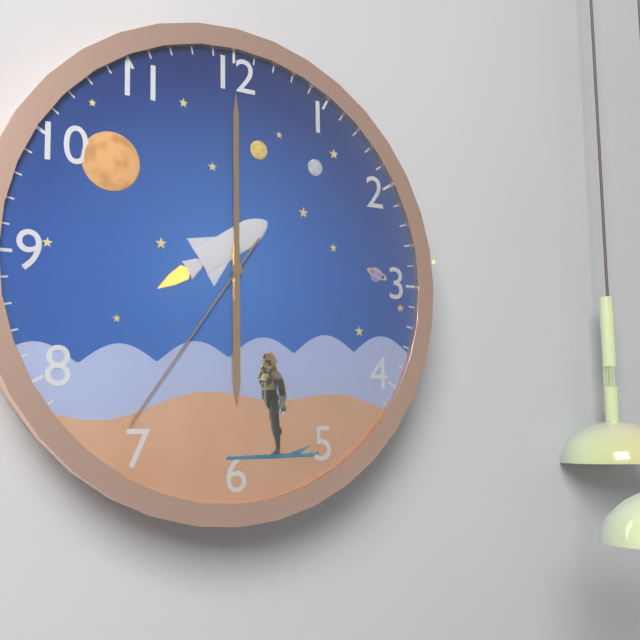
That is 6,00,36
